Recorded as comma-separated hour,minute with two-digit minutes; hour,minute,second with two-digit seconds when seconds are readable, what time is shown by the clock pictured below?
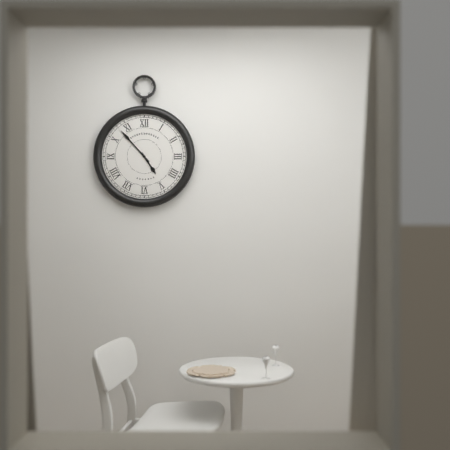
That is 4,53
